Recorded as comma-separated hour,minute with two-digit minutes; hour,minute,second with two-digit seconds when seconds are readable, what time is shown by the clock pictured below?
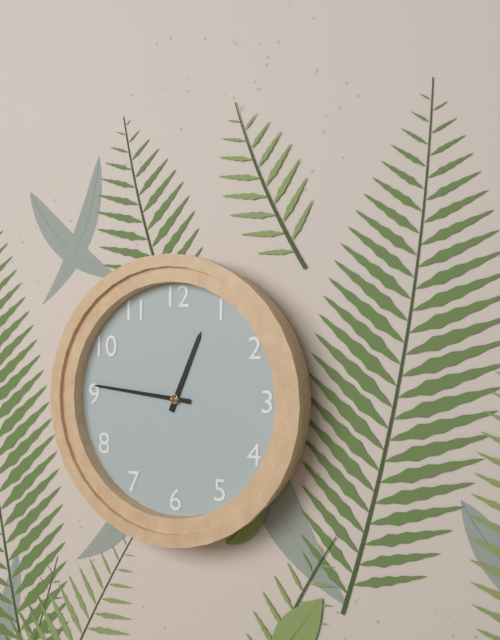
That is 12,46
